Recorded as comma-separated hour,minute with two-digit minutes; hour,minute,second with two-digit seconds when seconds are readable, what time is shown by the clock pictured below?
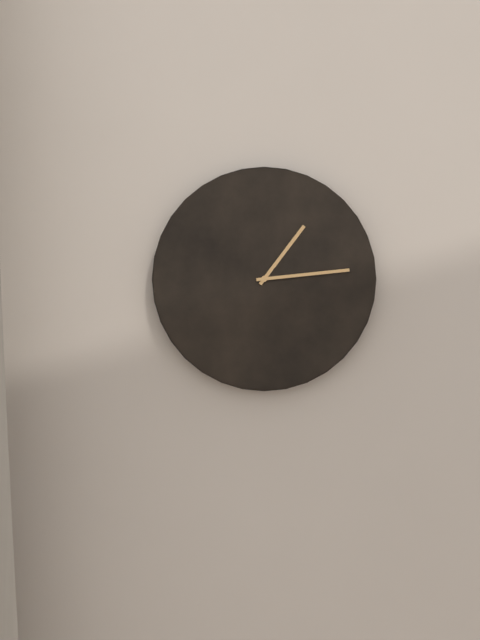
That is 1,14
